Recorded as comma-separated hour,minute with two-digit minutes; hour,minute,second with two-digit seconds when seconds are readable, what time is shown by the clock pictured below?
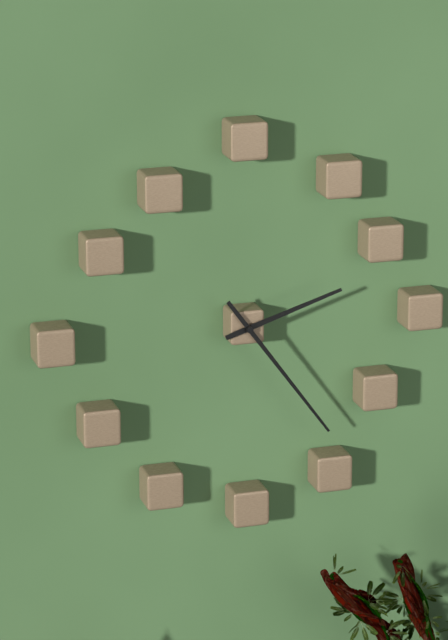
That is 2,24
